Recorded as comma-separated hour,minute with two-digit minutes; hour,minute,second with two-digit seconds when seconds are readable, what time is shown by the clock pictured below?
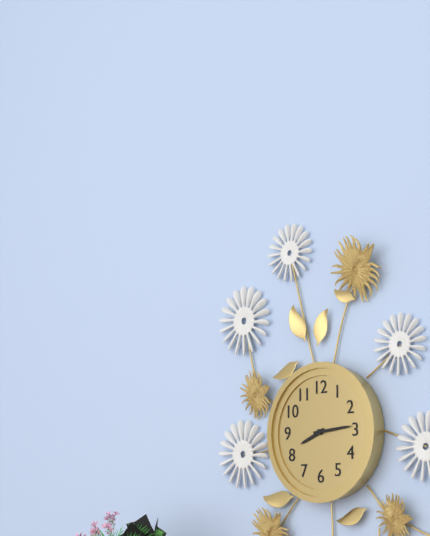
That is 8,14
